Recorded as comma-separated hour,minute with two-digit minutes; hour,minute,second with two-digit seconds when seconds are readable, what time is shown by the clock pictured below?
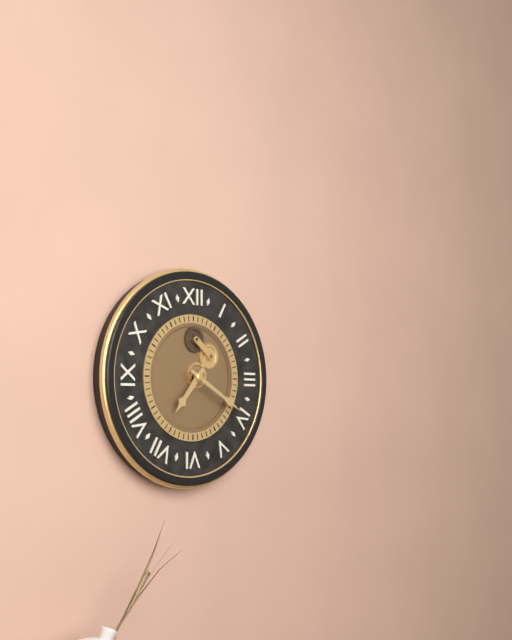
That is 7,20
